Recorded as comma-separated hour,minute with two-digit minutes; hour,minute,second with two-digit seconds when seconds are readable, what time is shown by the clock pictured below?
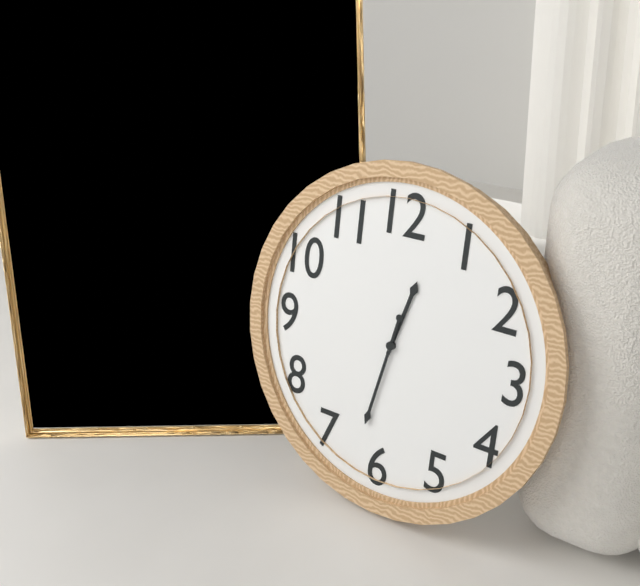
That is 12,32
